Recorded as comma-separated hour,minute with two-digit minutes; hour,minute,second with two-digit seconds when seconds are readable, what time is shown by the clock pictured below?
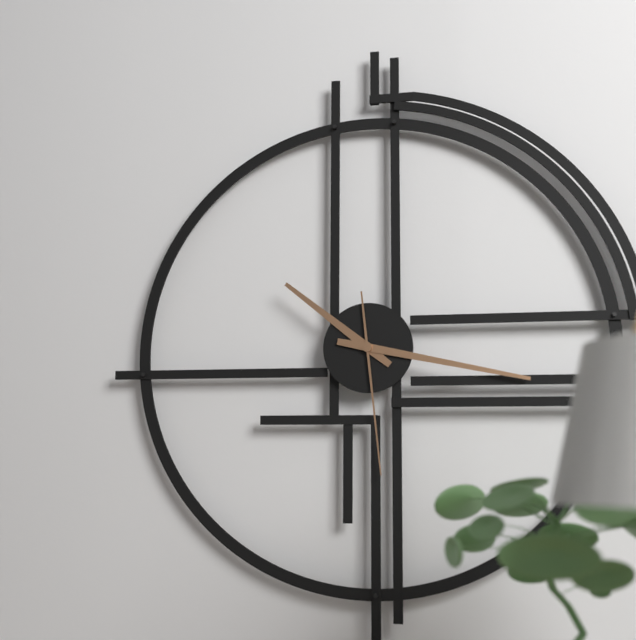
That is 10,17,29
